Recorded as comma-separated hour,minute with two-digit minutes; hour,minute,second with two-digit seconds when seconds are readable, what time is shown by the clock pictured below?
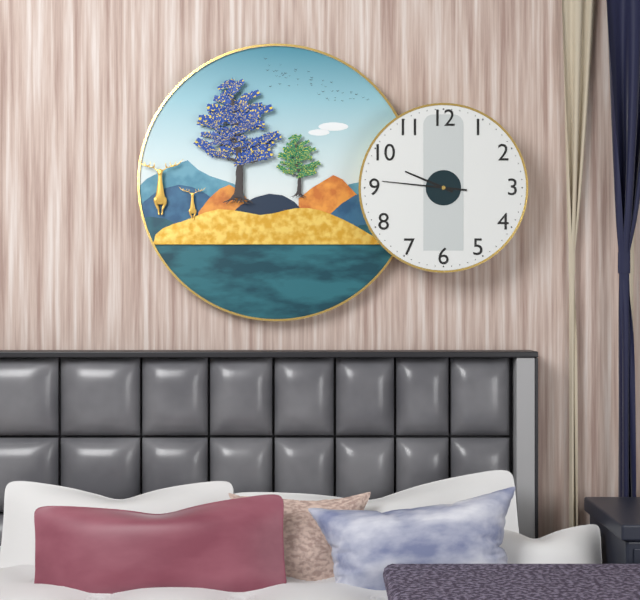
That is 9,46
